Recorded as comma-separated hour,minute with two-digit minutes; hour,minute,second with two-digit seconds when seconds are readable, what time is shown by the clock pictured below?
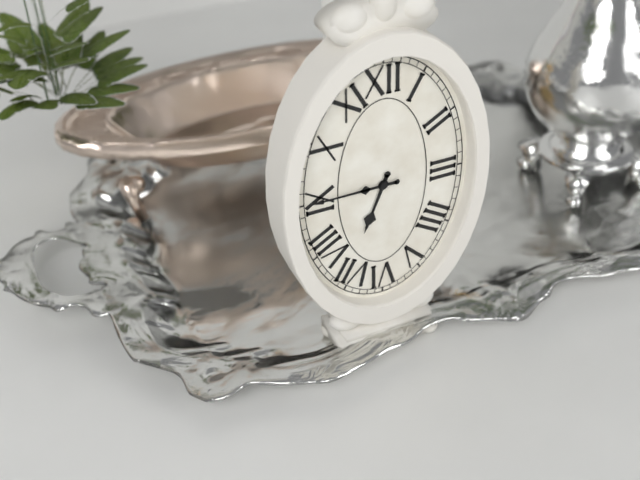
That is 6,45
